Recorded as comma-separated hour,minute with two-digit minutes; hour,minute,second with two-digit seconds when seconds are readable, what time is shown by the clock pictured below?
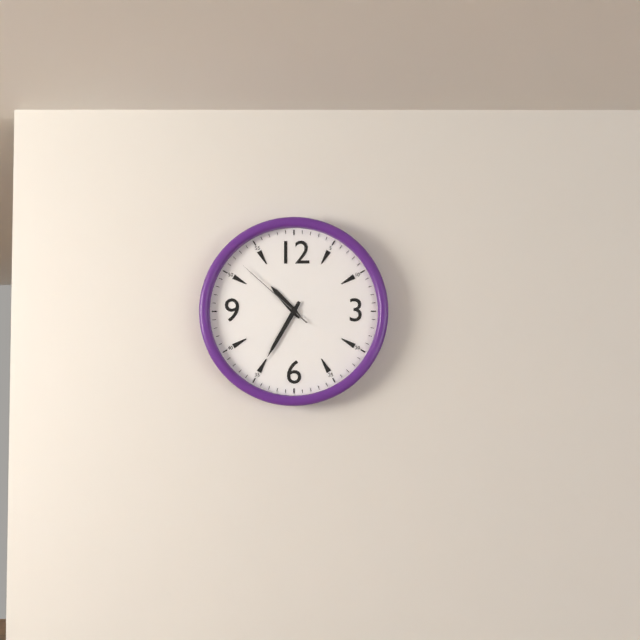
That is 10,35,52
